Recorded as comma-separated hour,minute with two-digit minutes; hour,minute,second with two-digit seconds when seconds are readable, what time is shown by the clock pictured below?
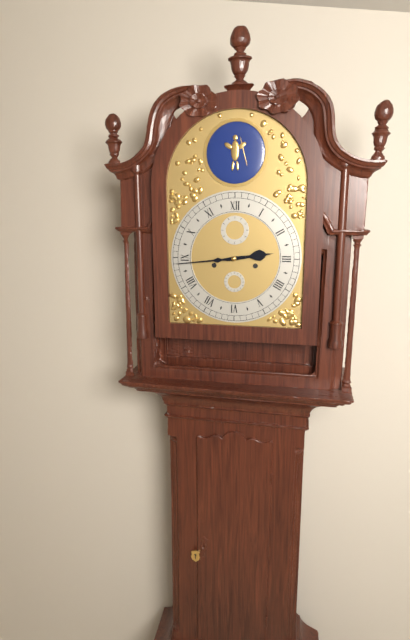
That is 2,44
